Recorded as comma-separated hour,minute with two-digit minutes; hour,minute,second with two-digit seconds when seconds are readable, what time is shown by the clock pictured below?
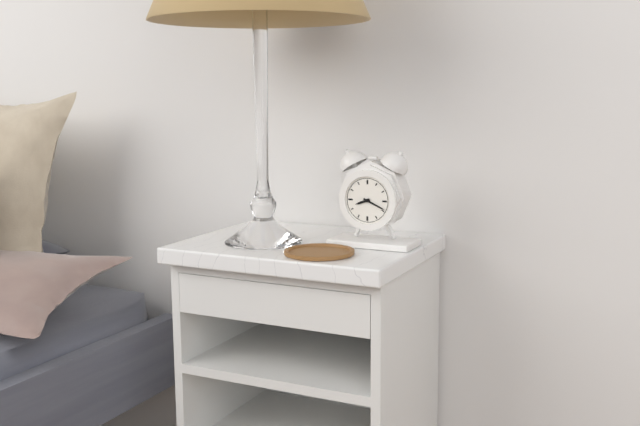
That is 8,19
